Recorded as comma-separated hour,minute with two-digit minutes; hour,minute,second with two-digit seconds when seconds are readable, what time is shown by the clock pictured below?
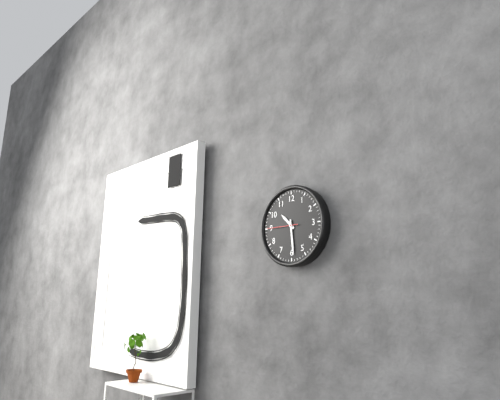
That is 10,29
